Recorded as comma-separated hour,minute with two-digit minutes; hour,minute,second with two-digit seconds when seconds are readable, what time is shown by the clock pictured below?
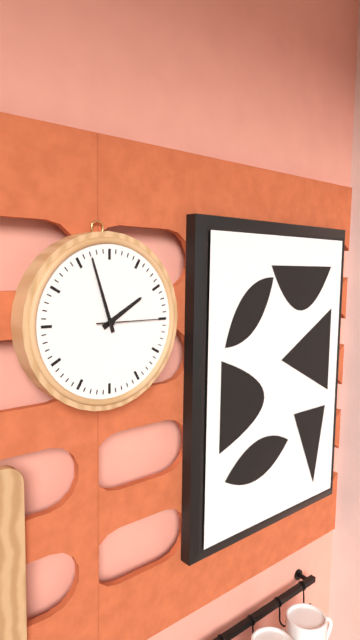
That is 1,57,15
